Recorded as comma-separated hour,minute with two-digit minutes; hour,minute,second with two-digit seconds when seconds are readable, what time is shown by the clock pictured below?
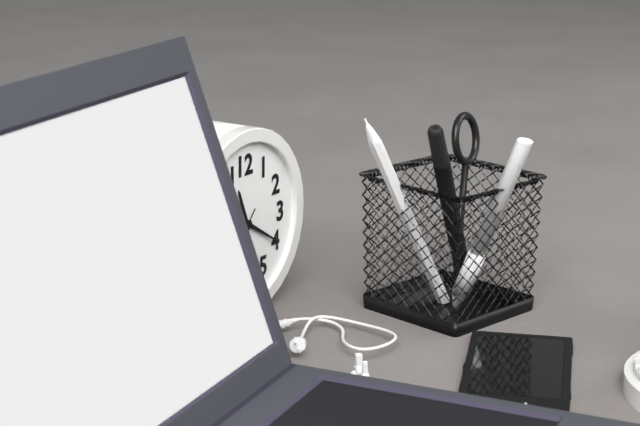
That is 11,20
